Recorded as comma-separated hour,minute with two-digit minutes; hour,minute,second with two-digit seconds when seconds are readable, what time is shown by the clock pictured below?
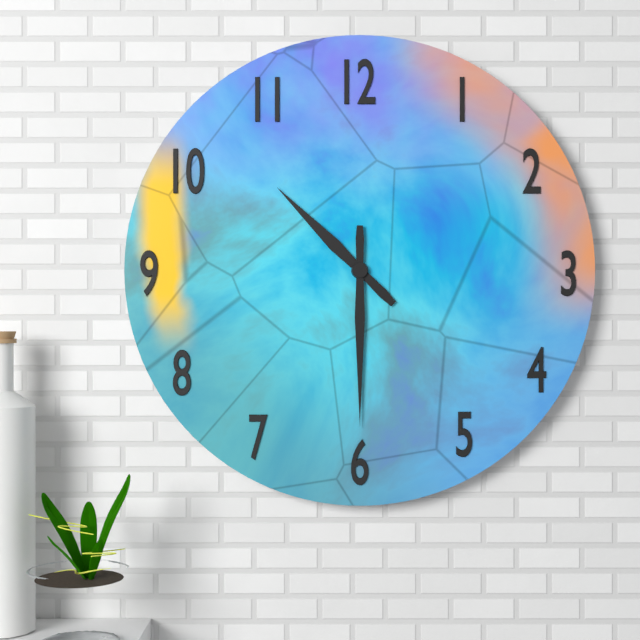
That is 10,30
